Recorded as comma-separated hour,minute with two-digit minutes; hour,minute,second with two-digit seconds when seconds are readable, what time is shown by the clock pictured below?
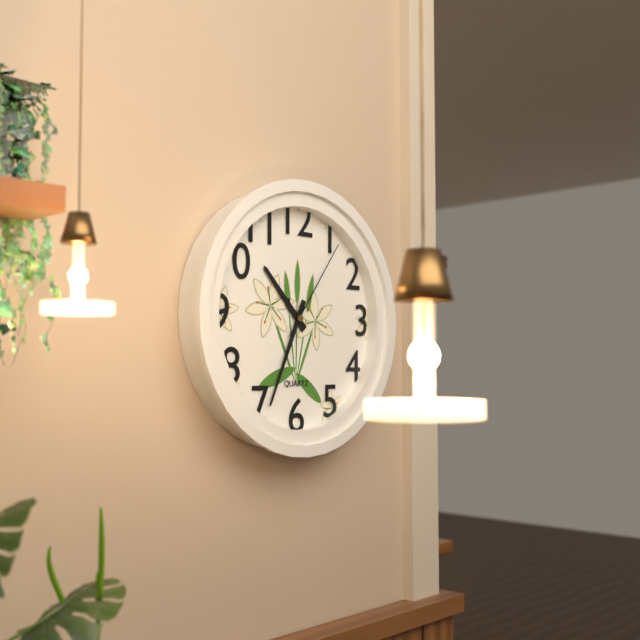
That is 10,34,06
